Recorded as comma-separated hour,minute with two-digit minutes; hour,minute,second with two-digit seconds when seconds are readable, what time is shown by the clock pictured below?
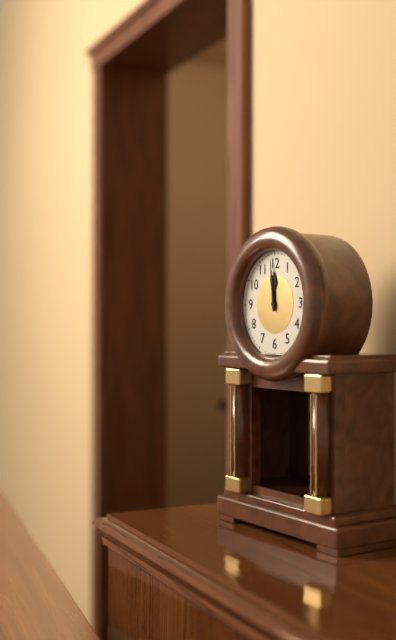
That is 11,59
